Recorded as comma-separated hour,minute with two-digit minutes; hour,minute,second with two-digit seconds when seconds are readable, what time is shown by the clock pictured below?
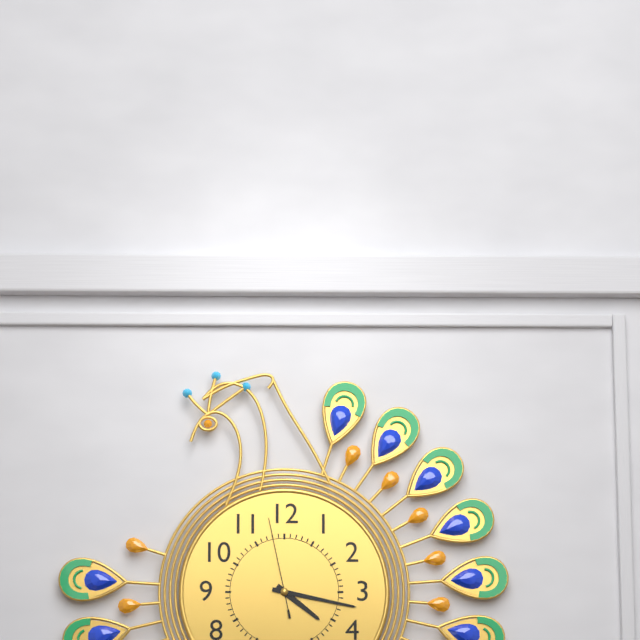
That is 4,17,58
